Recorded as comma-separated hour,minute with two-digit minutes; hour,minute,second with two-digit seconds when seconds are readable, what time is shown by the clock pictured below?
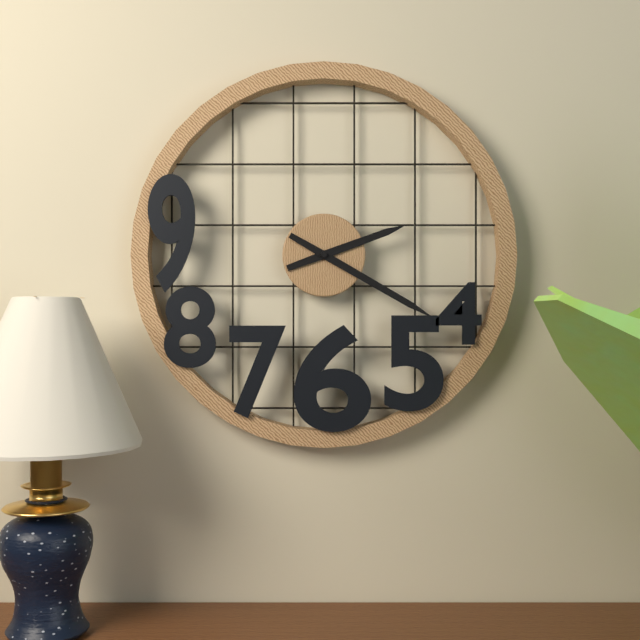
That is 2,20
